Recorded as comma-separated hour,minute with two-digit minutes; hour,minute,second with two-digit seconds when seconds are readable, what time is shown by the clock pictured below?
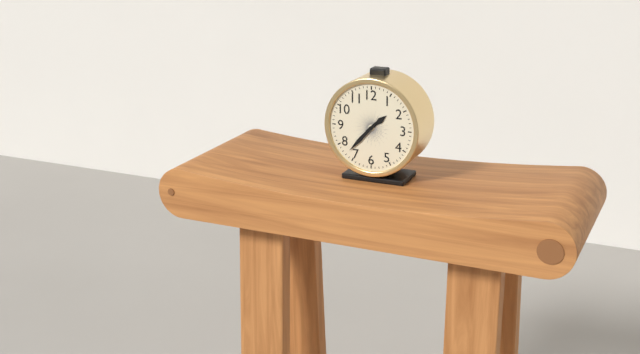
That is 1,37
